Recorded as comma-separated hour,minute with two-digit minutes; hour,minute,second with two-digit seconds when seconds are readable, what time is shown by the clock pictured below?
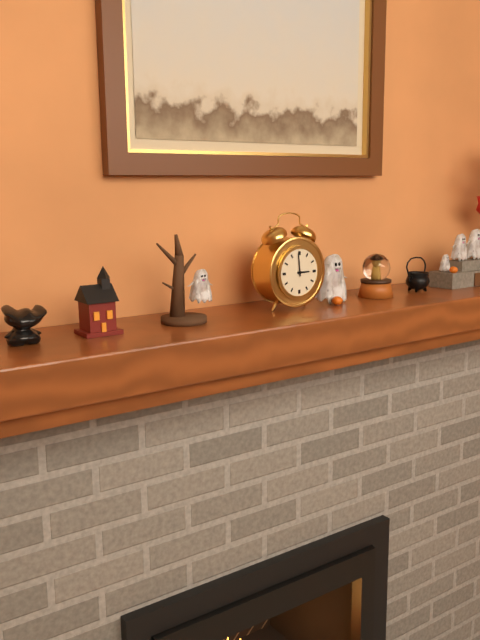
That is 2,59
